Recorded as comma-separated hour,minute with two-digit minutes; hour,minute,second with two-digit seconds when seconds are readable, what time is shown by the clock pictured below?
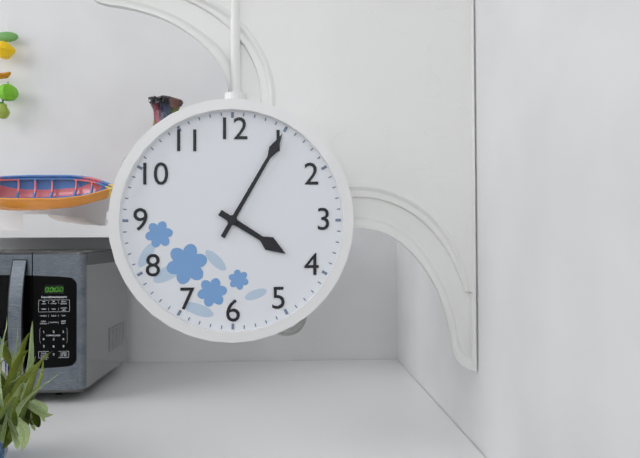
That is 4,05
